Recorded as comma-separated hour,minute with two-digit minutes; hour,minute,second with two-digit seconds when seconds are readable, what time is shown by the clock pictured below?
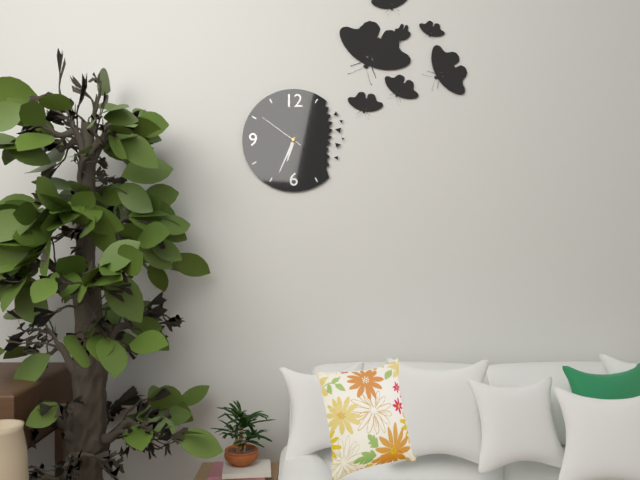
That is 6,34,51
